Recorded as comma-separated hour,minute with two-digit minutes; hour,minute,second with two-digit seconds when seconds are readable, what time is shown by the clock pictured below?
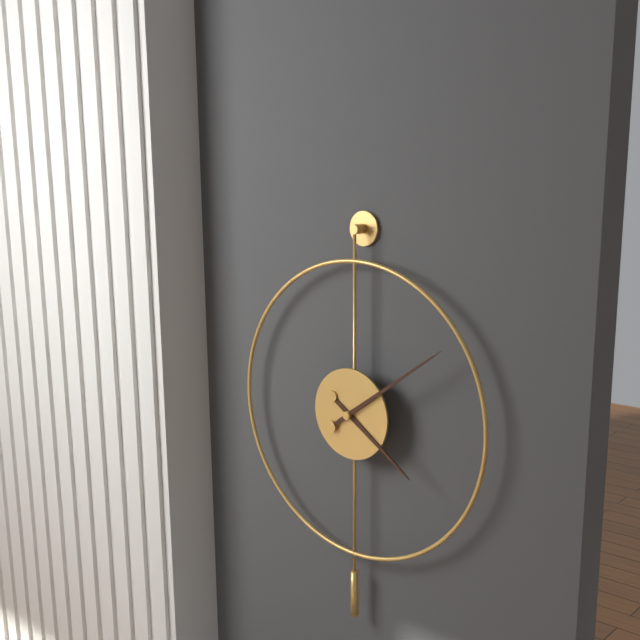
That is 4,09
